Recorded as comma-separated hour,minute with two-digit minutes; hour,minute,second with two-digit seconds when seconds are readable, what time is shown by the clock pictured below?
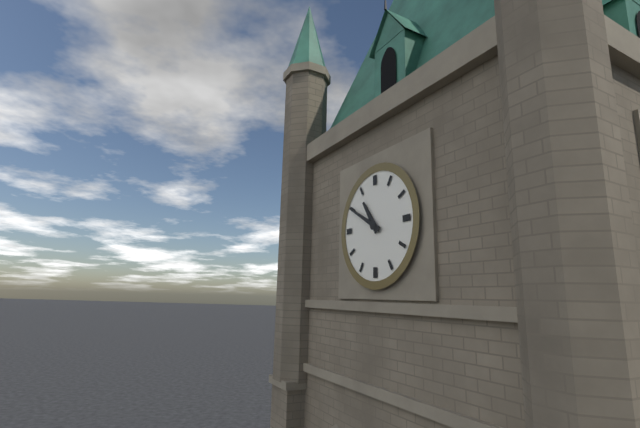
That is 10,50
